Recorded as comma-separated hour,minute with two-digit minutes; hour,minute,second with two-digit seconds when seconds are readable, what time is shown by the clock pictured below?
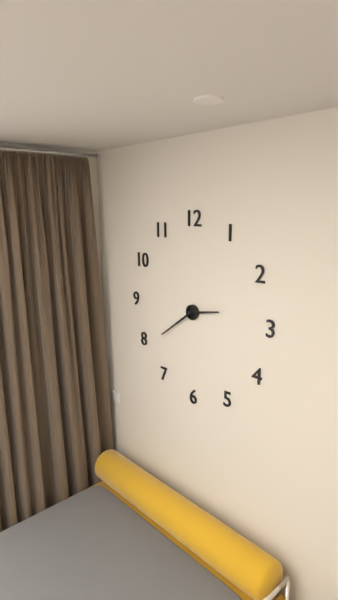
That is 2,39
